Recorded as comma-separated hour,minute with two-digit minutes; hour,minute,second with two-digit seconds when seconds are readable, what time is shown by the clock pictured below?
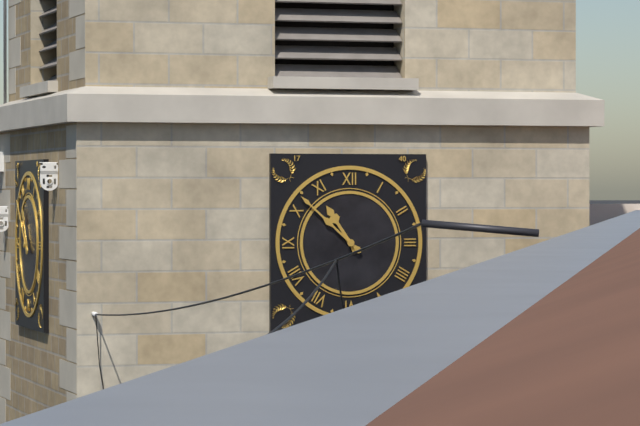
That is 10,52
